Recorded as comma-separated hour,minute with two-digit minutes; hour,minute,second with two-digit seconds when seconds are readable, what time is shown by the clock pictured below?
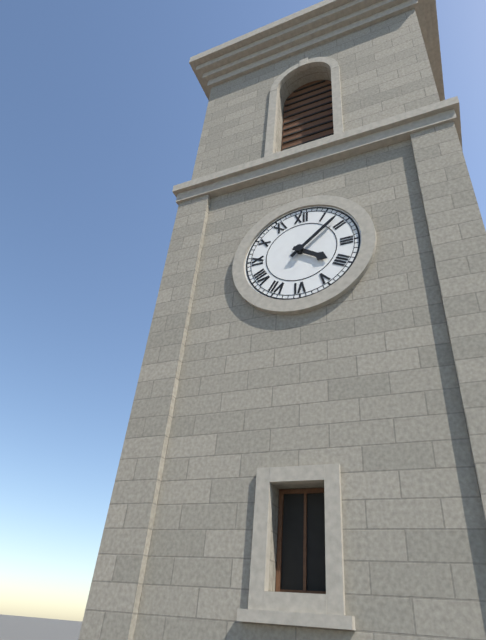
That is 4,08
